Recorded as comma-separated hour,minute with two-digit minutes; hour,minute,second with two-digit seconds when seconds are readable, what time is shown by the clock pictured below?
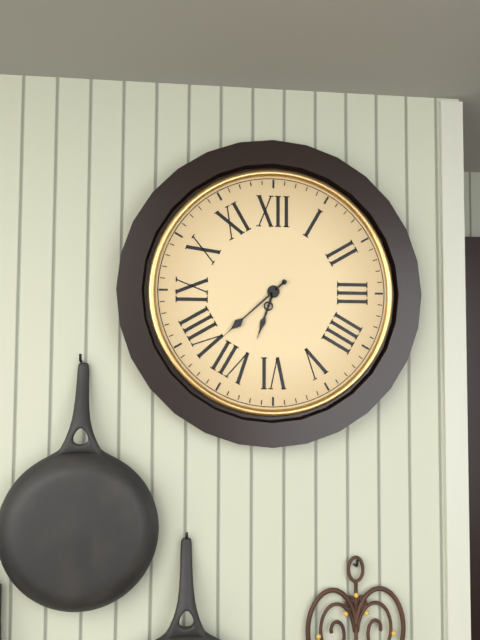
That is 6,38
